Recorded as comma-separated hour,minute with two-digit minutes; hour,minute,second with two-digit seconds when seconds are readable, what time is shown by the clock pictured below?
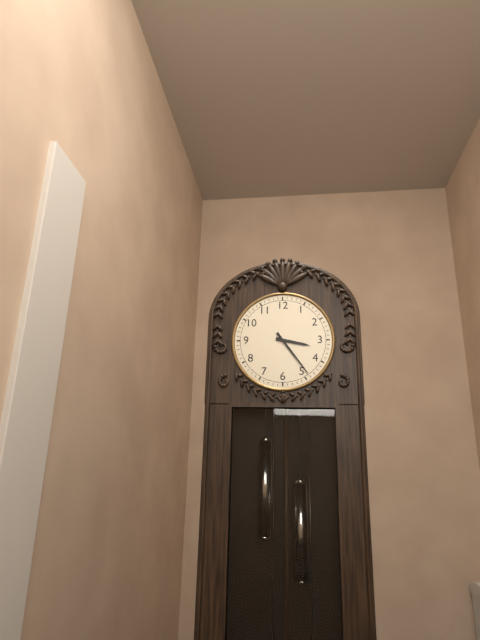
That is 3,24
